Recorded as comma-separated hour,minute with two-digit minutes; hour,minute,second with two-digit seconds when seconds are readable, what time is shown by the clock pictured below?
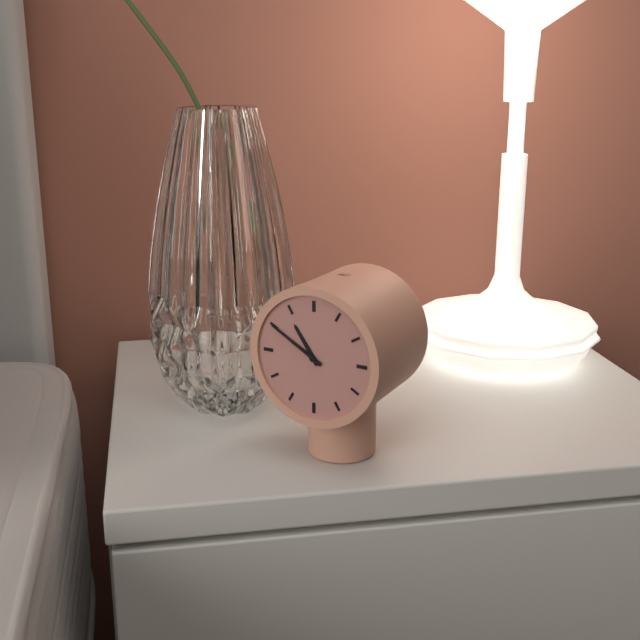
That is 10,50
